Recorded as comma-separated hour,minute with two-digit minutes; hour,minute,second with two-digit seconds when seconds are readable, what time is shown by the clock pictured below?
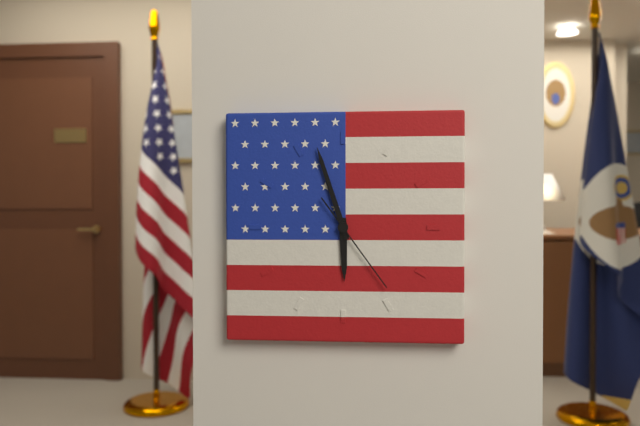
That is 5,57,24
